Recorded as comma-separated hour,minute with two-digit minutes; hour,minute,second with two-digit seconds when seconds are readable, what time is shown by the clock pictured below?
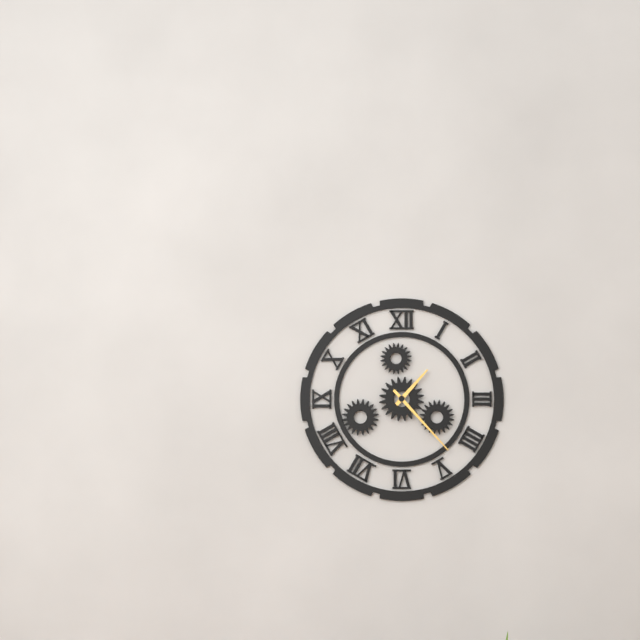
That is 1,23
